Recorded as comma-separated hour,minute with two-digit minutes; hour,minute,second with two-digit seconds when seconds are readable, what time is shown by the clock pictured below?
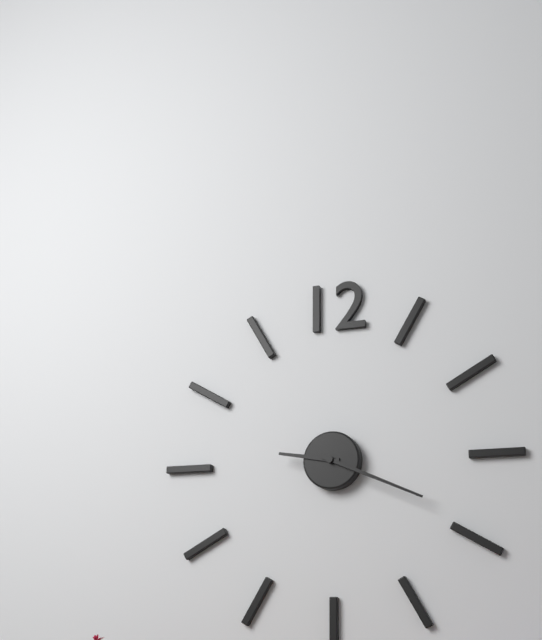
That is 9,19
